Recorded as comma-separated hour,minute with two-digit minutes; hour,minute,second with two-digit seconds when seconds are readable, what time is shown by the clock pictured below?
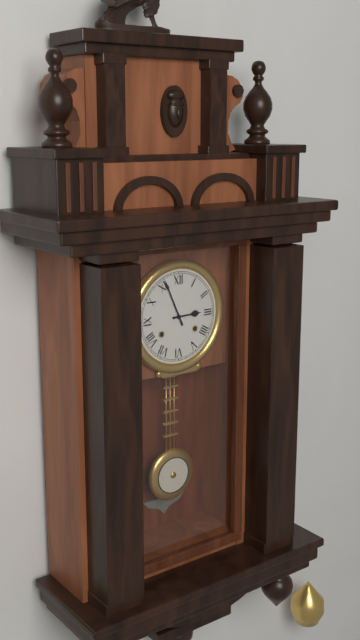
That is 2,56
